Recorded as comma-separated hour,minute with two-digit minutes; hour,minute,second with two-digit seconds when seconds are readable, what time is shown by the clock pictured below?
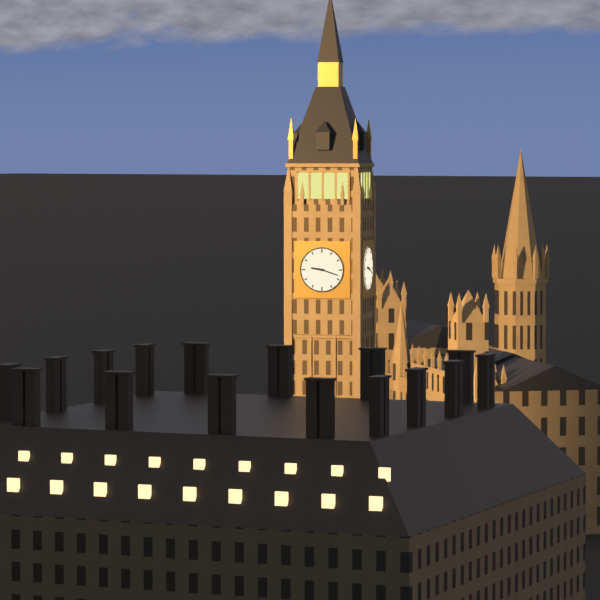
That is 9,18
